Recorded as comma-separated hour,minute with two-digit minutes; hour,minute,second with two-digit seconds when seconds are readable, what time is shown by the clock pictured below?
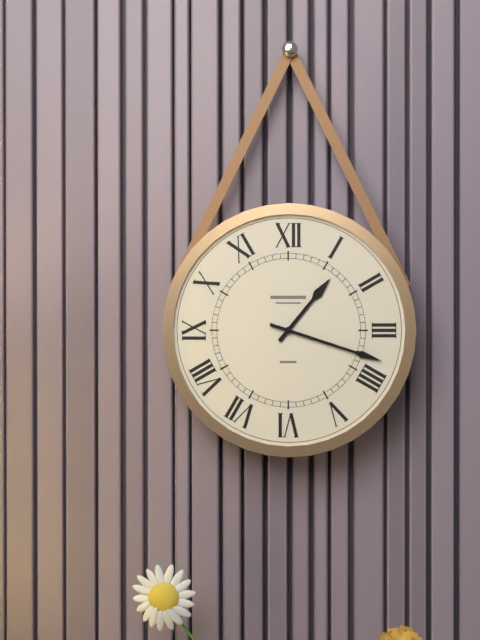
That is 1,18
